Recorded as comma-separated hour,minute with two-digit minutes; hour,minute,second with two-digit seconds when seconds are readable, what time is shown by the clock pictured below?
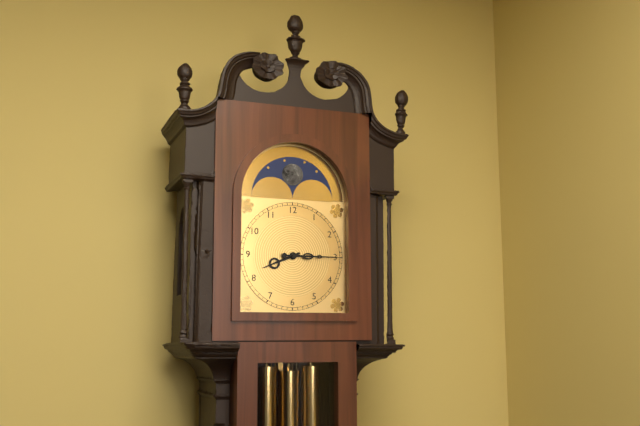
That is 8,15
